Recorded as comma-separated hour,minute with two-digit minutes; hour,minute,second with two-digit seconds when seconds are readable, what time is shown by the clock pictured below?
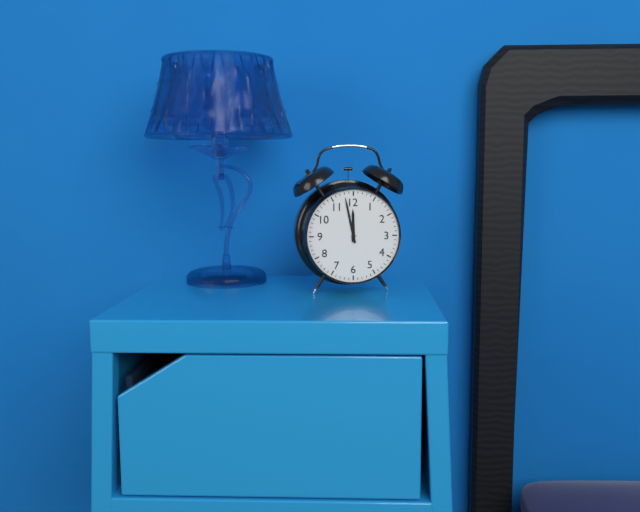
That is 11,58
